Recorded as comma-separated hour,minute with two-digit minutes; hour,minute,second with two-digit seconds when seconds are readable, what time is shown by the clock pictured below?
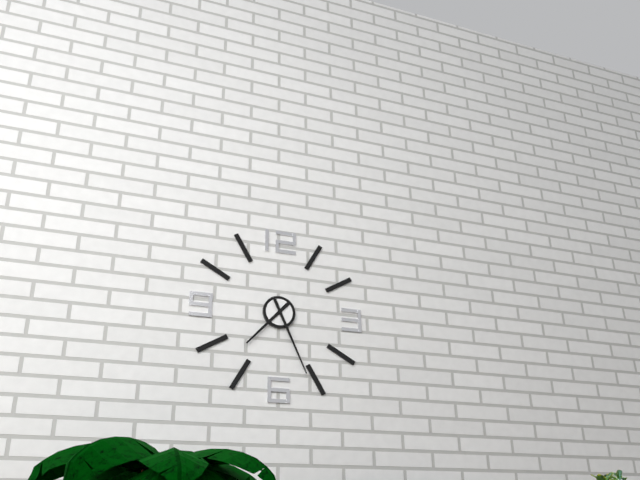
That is 7,26
